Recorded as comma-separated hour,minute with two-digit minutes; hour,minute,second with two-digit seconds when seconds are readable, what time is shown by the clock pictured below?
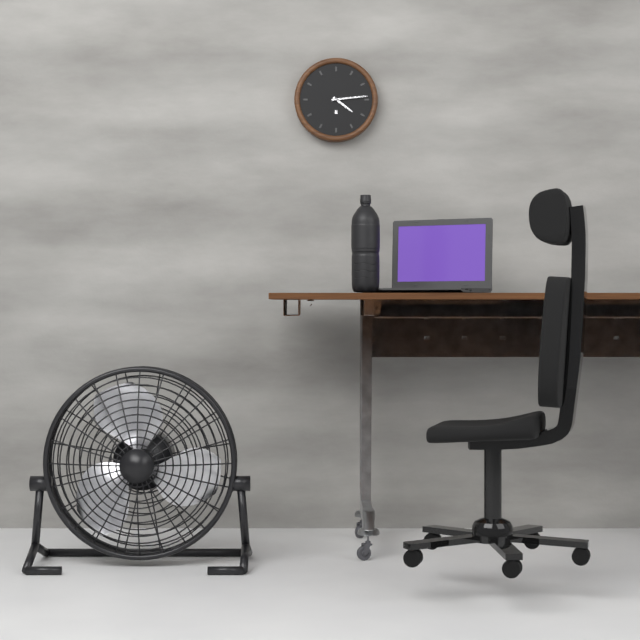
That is 4,14
